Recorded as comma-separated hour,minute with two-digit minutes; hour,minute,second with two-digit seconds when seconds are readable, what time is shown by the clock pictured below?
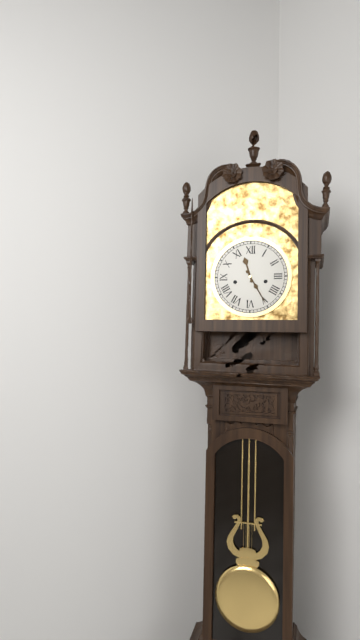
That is 11,25
